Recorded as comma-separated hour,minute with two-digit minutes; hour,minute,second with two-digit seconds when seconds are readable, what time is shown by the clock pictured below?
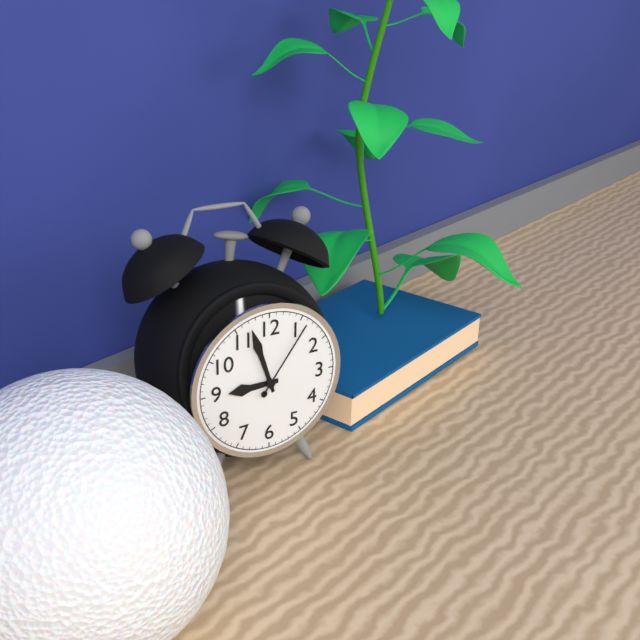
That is 8,57,06
